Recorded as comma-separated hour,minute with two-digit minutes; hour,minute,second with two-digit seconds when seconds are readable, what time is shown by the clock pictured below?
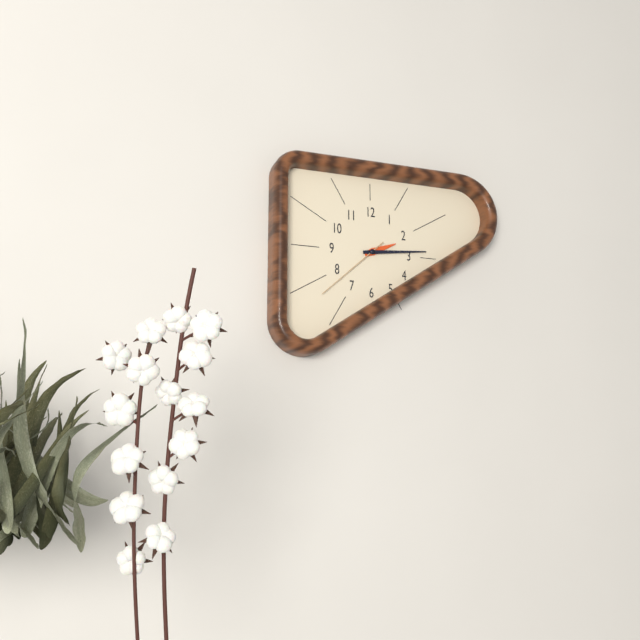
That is 2,14,38
